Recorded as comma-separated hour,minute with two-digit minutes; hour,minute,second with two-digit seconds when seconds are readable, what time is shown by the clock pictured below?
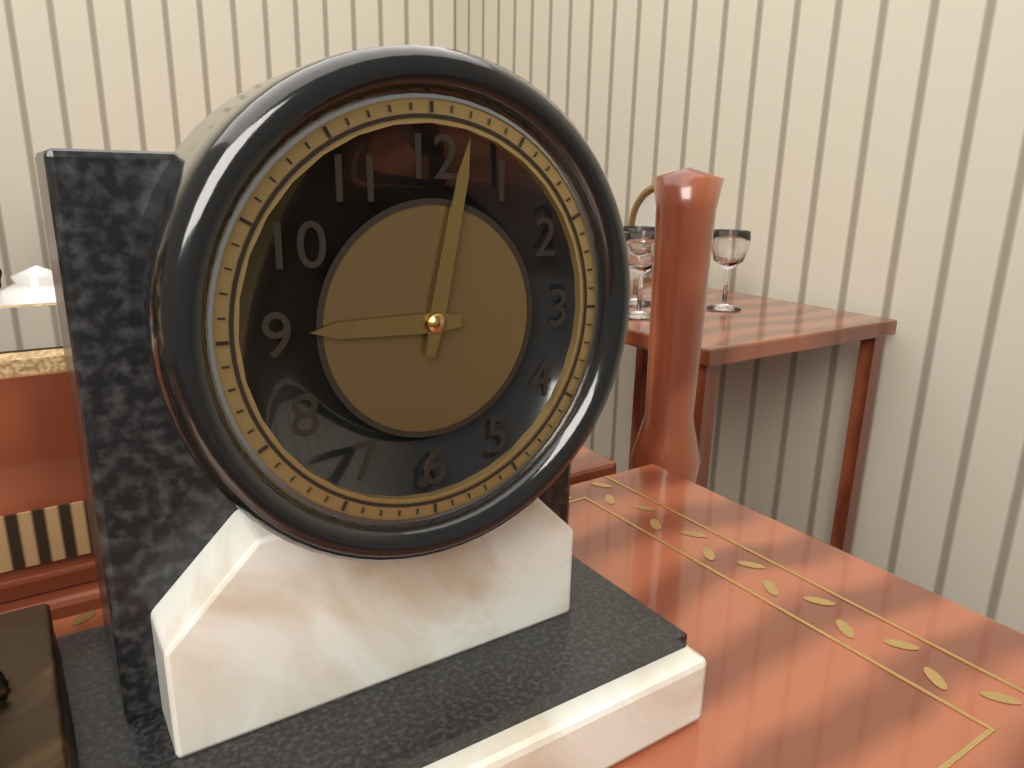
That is 9,02
